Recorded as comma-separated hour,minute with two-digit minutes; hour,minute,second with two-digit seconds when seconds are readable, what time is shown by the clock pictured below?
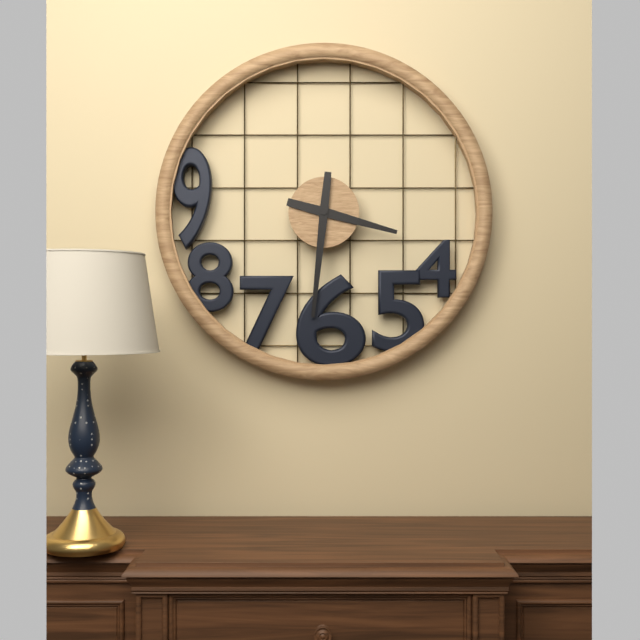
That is 3,31
